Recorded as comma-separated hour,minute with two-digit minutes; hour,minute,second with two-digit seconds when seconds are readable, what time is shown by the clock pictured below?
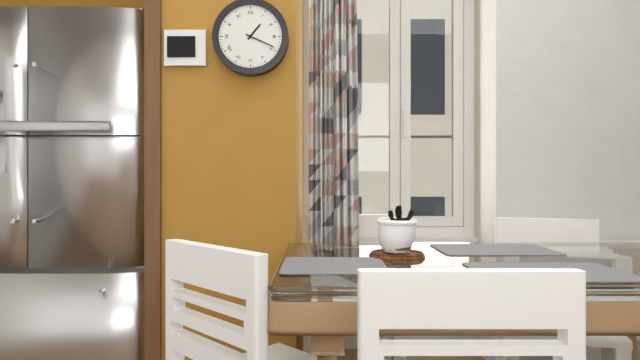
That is 1,19
